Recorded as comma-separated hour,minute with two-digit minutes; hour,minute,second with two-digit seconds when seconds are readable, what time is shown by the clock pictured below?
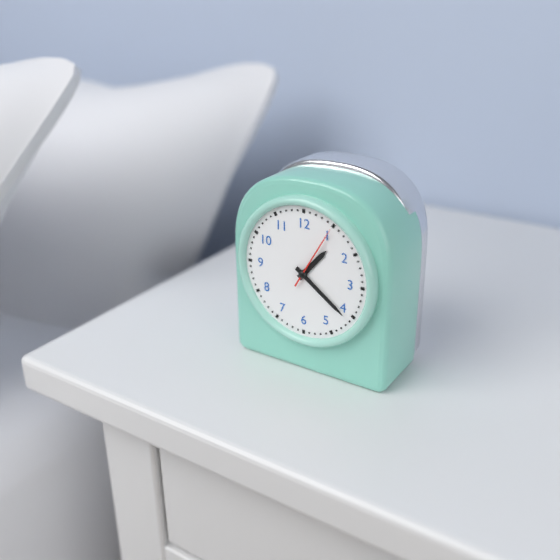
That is 1,21,05
